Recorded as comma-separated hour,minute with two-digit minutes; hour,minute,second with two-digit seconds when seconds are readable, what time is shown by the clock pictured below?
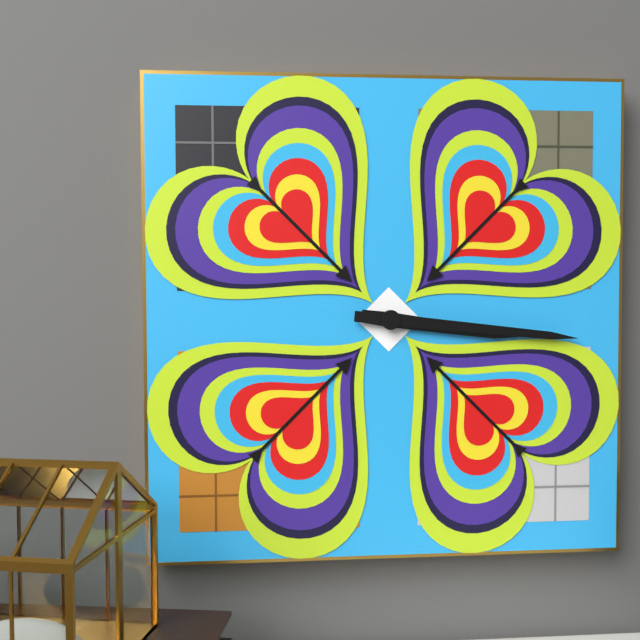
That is 3,16
